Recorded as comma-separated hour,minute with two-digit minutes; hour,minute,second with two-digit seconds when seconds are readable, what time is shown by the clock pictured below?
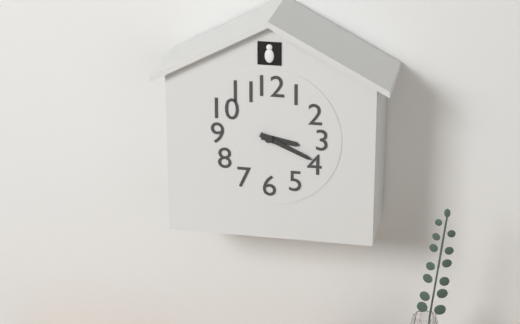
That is 3,19
